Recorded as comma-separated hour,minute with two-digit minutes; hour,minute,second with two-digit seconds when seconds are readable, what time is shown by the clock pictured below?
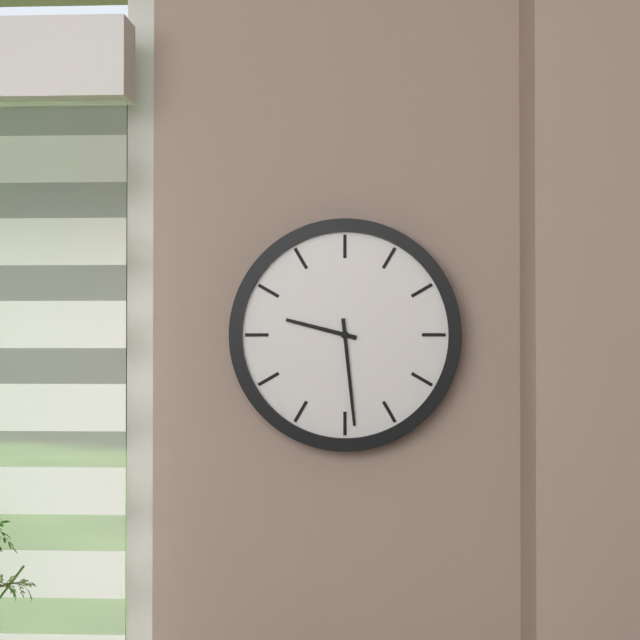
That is 9,29
